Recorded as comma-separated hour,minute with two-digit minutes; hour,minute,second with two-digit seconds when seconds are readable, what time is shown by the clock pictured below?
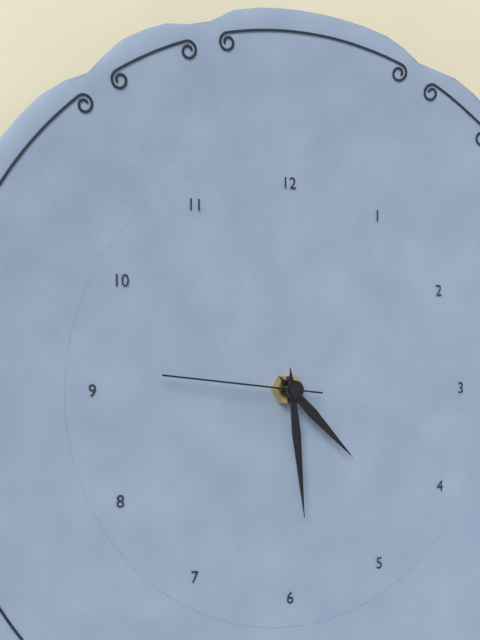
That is 4,29,46
